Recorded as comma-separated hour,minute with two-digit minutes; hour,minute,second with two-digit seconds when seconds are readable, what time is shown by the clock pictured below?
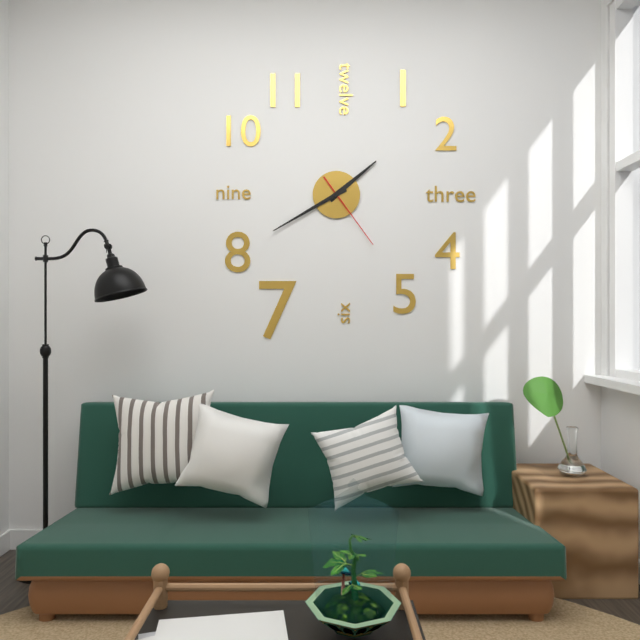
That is 1,40,24
